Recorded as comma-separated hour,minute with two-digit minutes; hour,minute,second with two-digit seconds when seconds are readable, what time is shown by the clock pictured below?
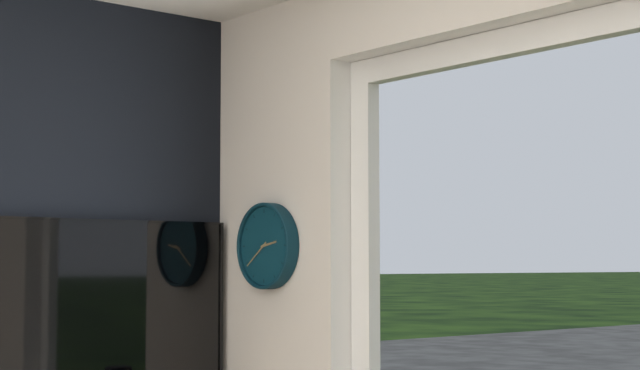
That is 2,39
